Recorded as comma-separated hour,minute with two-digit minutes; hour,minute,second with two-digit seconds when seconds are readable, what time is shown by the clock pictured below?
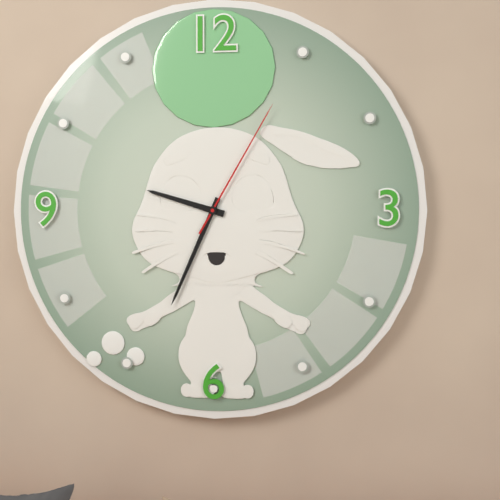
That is 9,34,05
